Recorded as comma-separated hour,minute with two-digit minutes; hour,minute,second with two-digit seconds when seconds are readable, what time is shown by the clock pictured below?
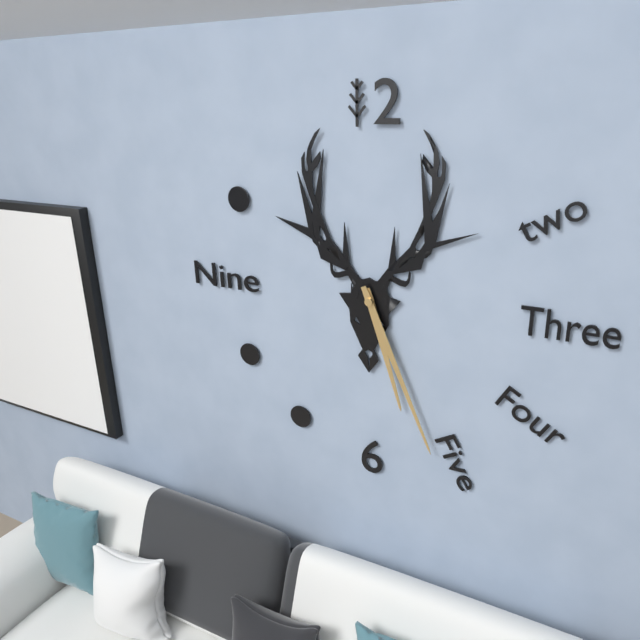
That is 5,26
